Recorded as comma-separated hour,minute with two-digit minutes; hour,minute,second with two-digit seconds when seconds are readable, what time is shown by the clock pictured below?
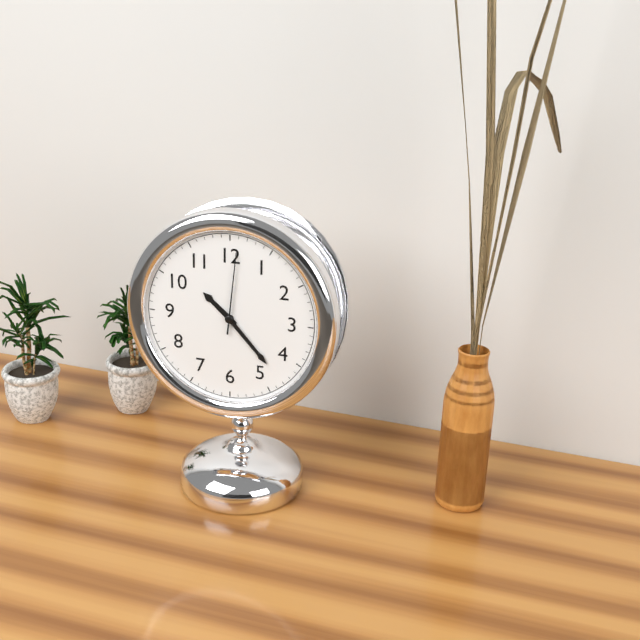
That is 10,23,01
